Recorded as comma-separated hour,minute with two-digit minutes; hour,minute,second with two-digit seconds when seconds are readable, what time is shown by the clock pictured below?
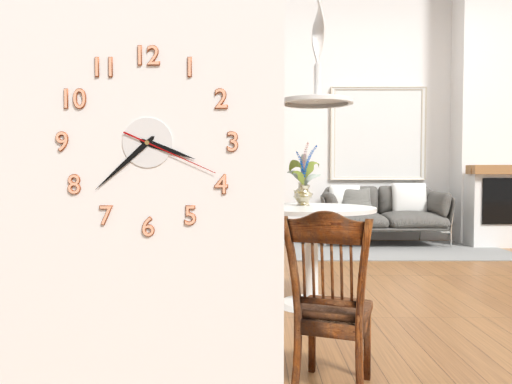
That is 3,38,19
